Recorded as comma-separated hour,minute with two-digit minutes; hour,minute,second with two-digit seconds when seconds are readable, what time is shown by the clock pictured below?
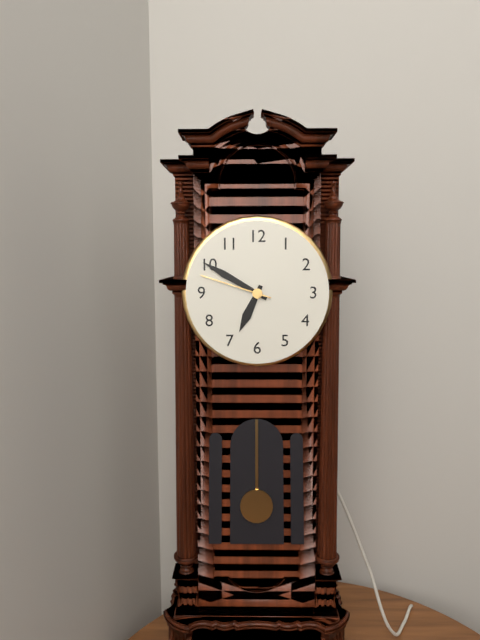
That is 6,50,48
